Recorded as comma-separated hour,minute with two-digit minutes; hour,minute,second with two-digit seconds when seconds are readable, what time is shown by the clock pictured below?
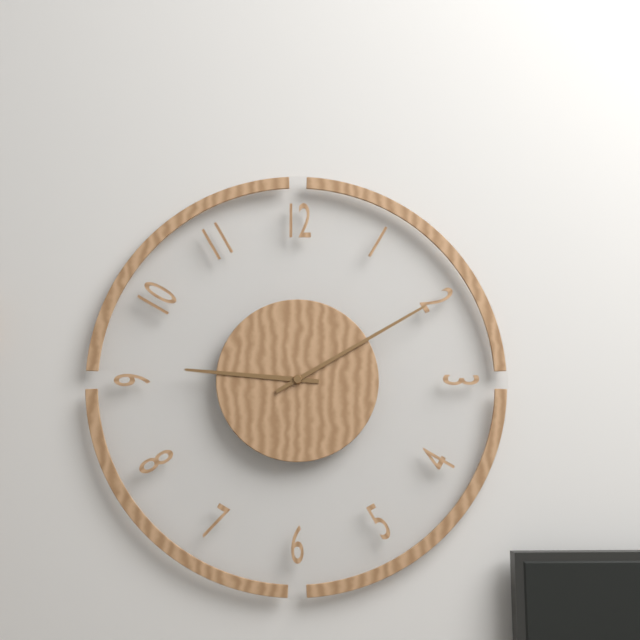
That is 9,10
